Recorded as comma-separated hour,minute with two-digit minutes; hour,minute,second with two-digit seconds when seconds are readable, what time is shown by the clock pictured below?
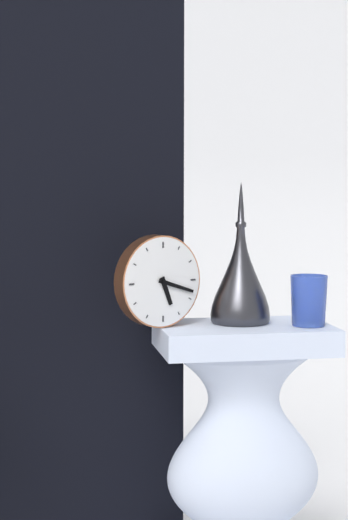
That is 5,18
